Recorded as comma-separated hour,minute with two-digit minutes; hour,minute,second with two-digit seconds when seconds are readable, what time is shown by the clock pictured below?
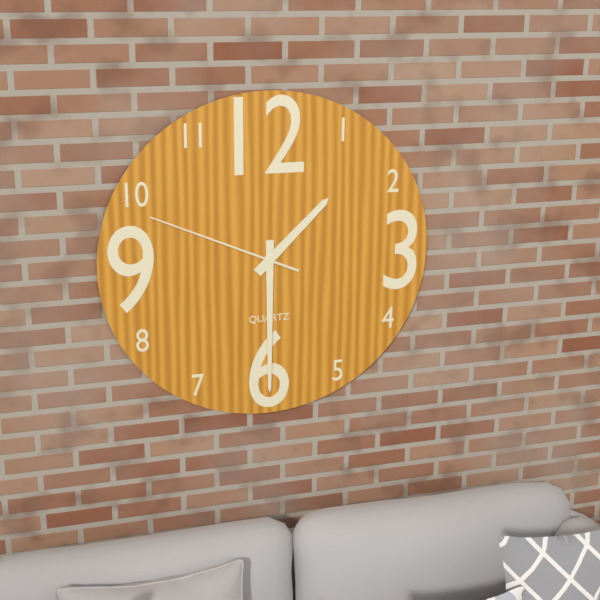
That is 1,30,49
